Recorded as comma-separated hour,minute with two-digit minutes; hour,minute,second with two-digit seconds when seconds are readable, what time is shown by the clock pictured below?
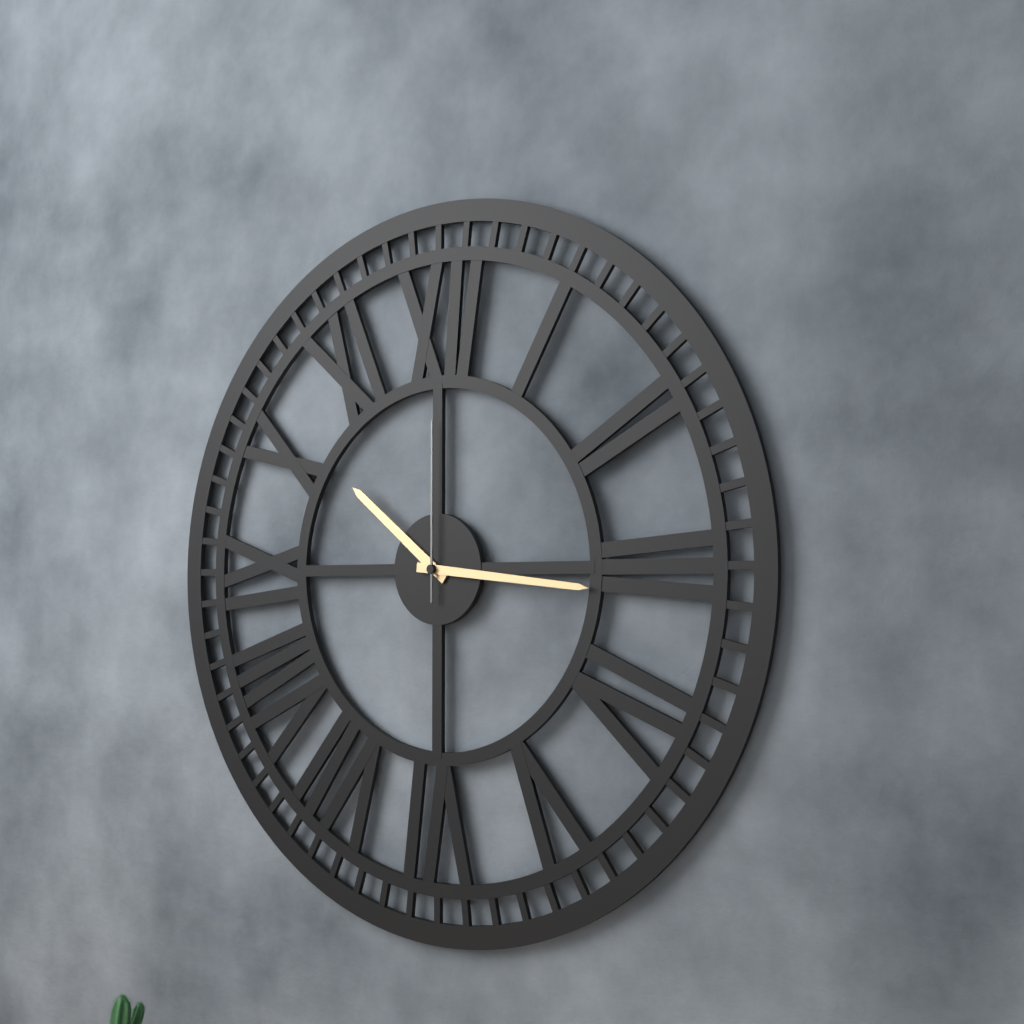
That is 10,16,00
